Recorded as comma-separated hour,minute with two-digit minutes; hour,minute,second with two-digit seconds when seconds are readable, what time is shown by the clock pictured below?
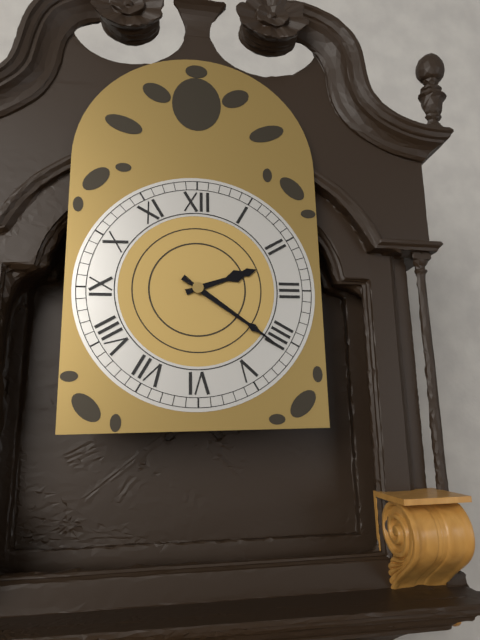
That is 2,21
